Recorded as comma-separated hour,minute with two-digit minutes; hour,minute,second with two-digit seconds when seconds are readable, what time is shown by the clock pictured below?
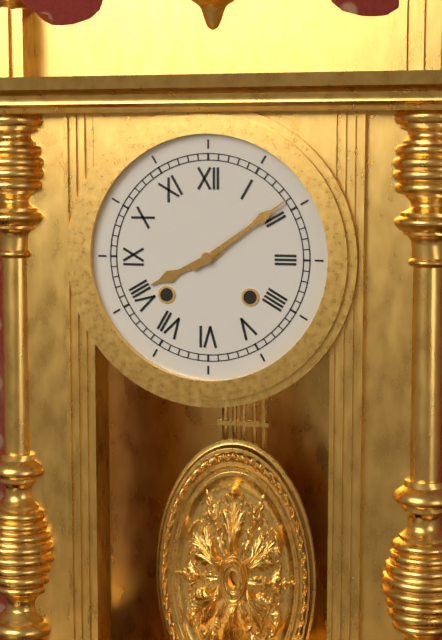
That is 8,09
